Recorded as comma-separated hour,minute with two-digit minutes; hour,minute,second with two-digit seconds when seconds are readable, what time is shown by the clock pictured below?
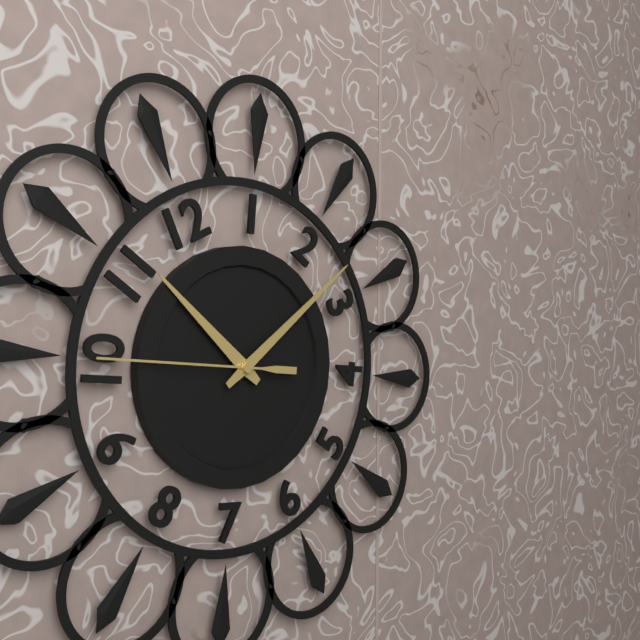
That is 11,13,50
